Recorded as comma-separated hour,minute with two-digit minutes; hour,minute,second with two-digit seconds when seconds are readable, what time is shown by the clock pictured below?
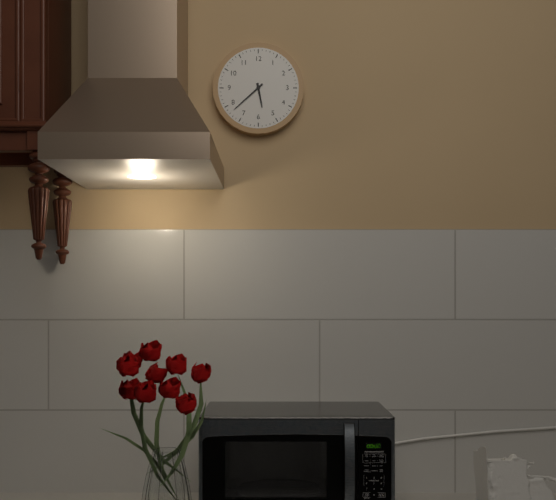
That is 5,38
